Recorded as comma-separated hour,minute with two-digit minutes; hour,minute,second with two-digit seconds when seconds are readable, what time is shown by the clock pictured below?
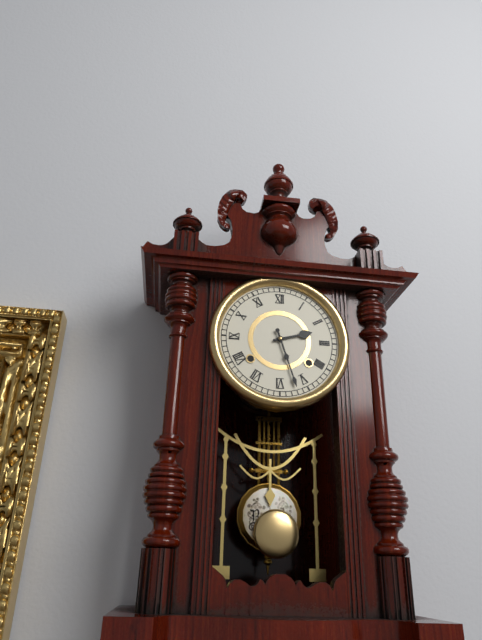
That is 2,27
